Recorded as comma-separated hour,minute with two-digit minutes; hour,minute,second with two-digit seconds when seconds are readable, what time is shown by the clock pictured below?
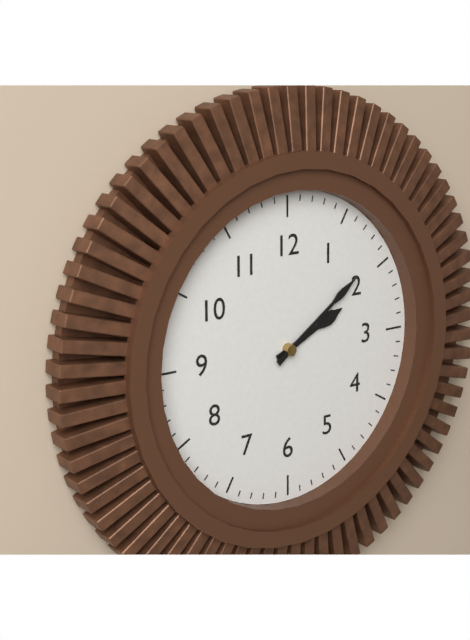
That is 2,09
